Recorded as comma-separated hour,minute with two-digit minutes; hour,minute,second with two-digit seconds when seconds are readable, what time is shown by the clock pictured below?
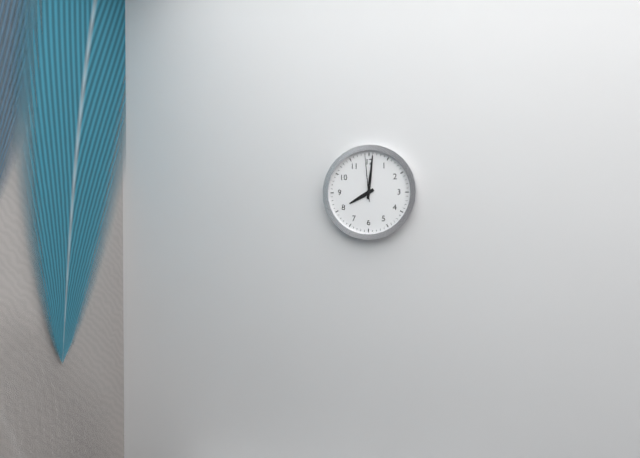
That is 8,01
